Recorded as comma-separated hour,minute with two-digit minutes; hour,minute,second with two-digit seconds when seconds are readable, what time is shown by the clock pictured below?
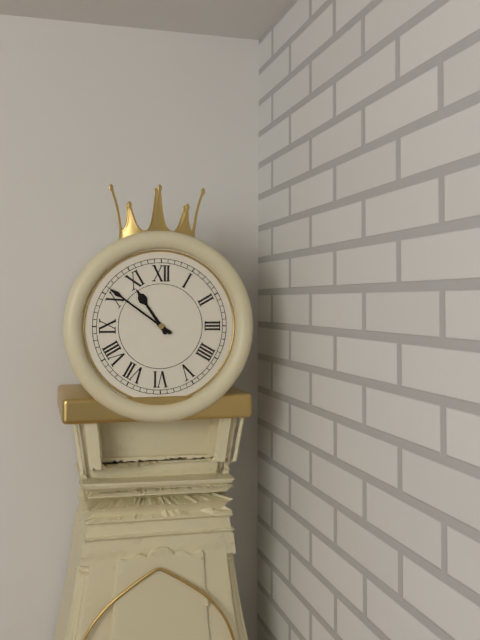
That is 10,51
